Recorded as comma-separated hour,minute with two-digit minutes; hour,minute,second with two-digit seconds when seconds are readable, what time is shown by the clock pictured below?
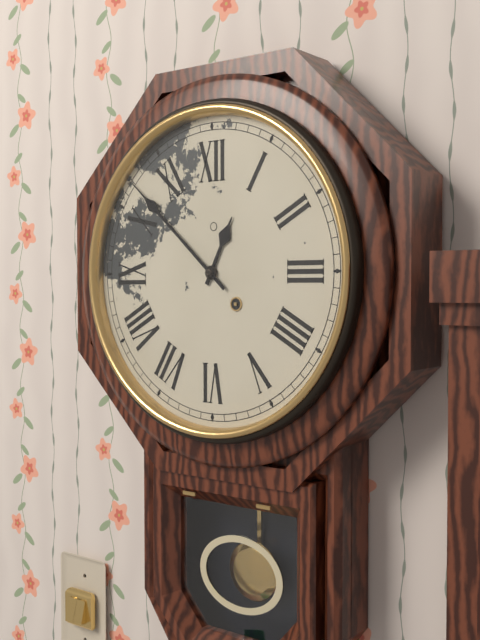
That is 12,52
